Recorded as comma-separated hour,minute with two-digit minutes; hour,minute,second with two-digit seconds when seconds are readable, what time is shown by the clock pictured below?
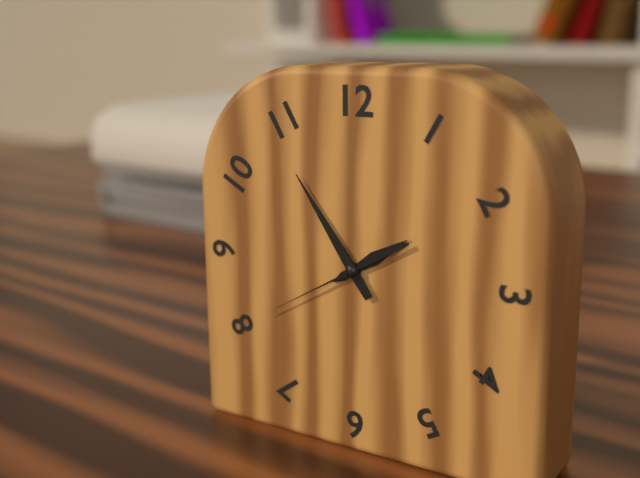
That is 1,54,40
